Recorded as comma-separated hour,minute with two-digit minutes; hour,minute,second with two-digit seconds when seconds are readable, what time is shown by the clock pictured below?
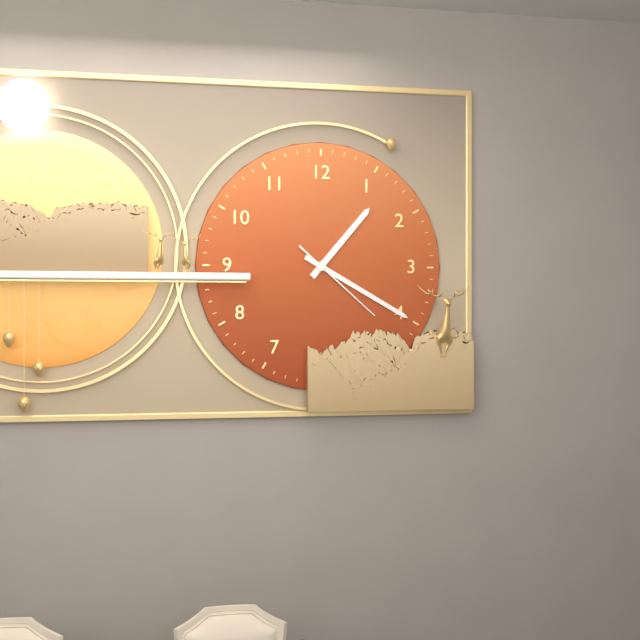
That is 1,20,22
